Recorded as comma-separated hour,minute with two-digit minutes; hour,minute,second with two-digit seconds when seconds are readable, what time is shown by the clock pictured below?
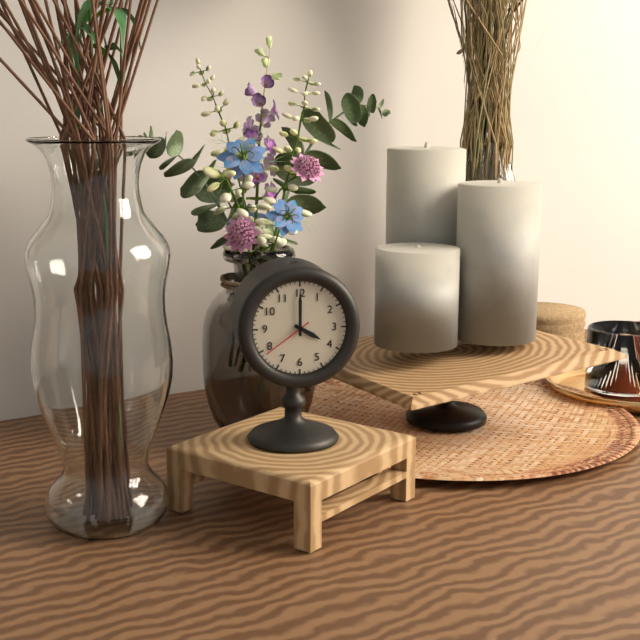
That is 4,00,39
